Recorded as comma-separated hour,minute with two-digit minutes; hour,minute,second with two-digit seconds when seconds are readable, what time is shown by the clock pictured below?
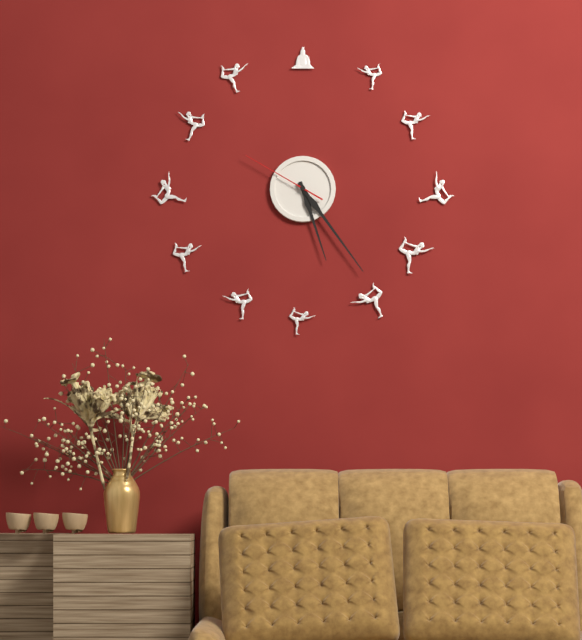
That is 5,24,50
